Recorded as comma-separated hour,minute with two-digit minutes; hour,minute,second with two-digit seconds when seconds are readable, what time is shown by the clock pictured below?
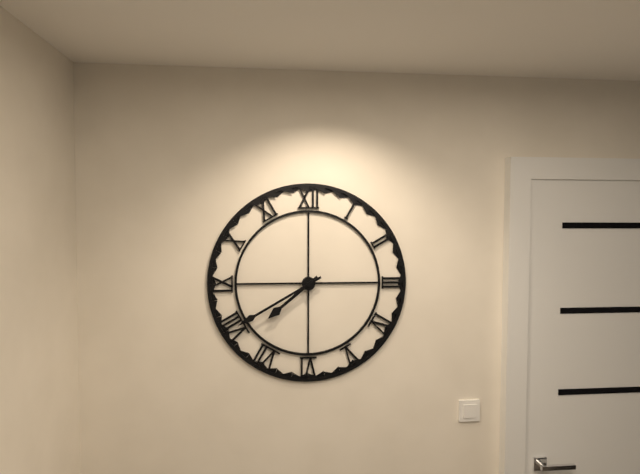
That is 7,40
